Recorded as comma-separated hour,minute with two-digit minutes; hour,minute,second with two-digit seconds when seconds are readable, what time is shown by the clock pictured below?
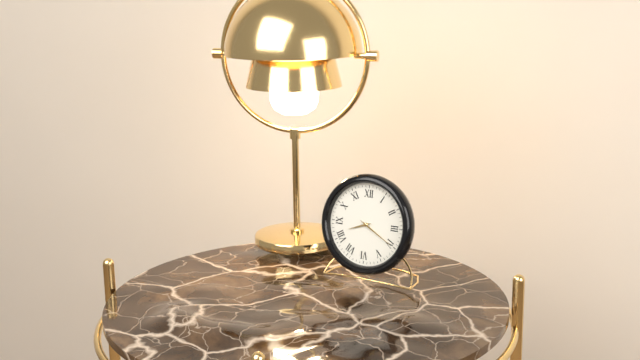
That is 8,20
